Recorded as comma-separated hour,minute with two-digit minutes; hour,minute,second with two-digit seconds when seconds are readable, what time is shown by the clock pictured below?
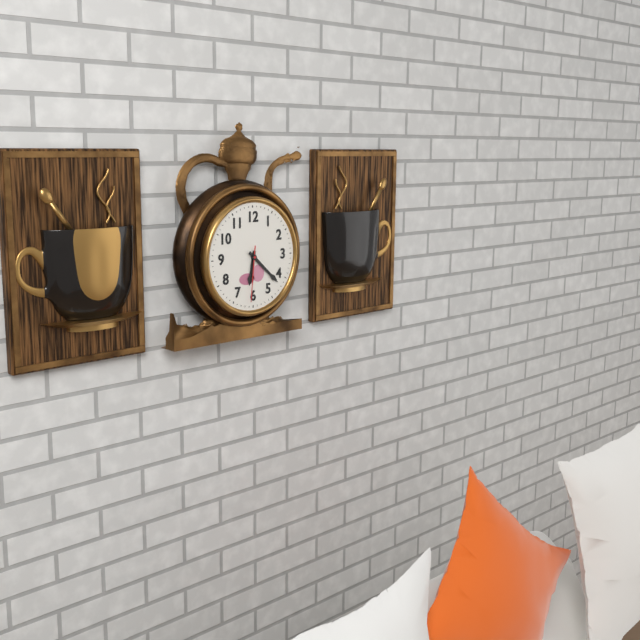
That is 6,22,31
